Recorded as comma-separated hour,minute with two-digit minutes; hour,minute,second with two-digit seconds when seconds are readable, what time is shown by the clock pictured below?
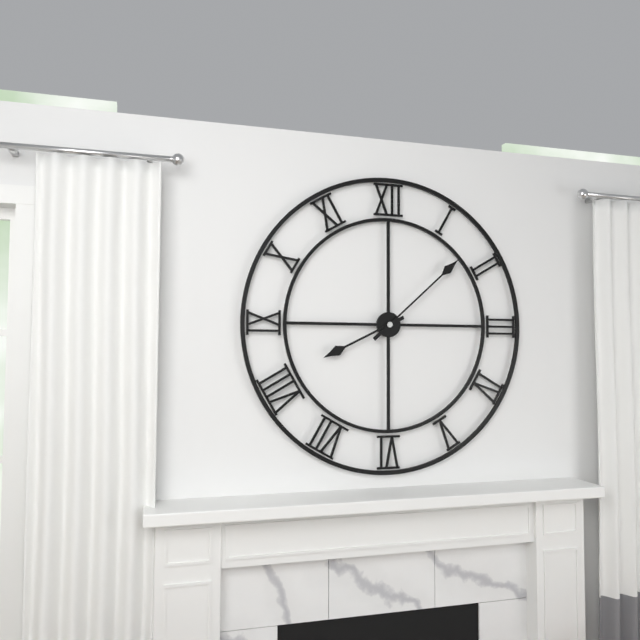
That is 8,08
